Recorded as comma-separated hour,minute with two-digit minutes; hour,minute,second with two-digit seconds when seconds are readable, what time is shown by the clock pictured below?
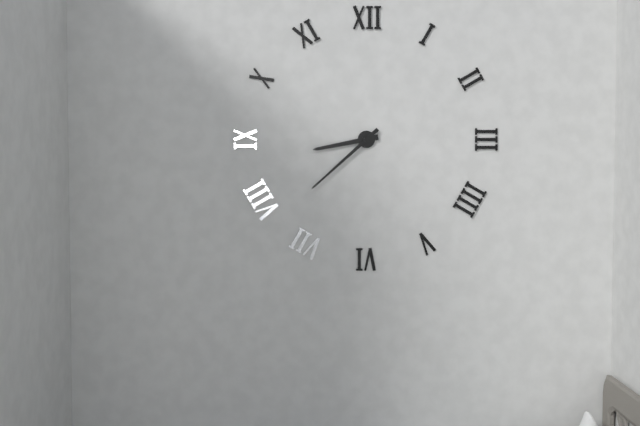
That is 8,38
